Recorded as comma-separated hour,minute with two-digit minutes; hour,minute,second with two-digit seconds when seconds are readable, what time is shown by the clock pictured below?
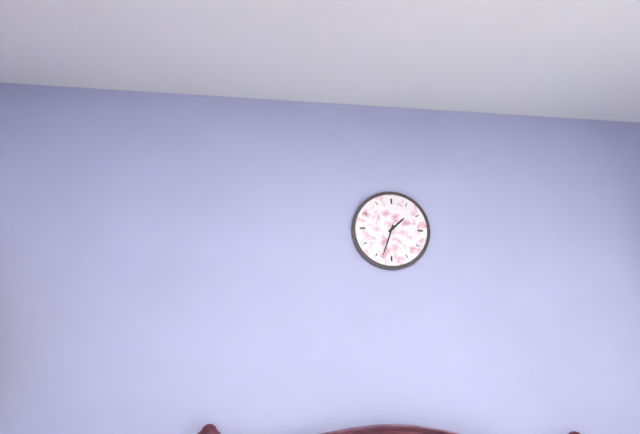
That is 1,33
